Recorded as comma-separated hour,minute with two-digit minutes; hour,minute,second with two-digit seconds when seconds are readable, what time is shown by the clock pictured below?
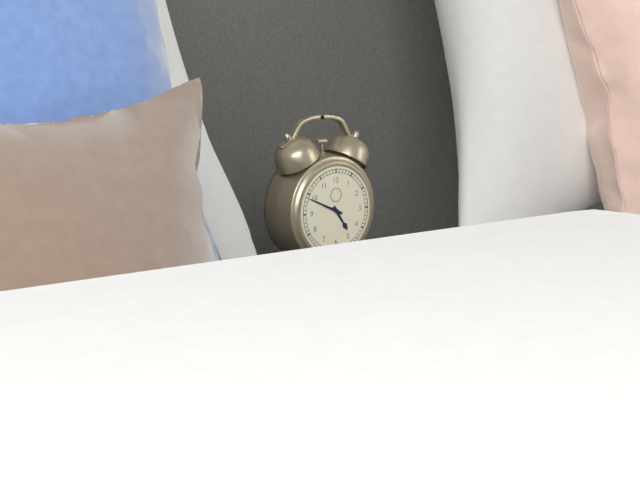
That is 4,49
